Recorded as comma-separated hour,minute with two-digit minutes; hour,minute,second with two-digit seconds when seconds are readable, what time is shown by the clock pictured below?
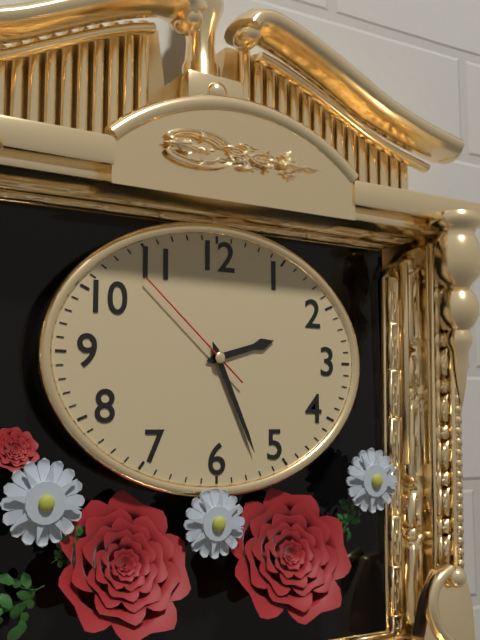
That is 2,26,52
